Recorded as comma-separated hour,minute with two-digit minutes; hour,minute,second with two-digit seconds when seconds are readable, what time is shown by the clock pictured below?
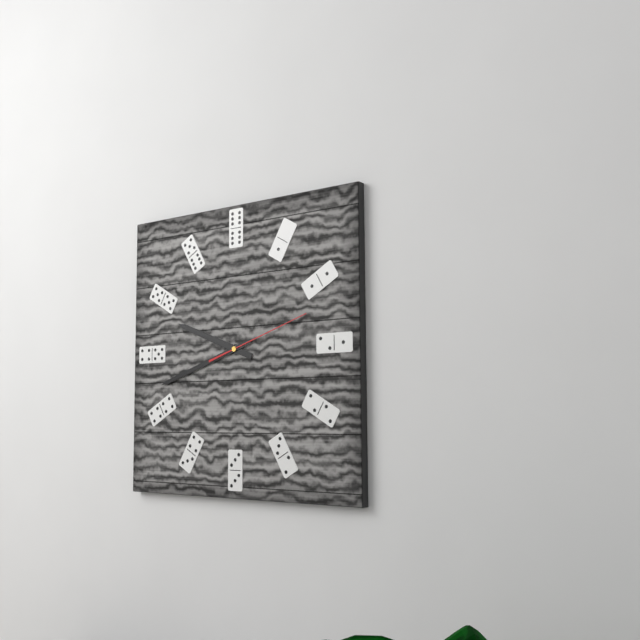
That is 9,42,12
